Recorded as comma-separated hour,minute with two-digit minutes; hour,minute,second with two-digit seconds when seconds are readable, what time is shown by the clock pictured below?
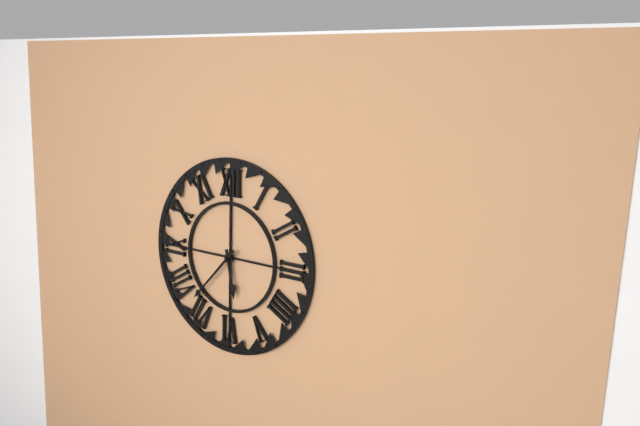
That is 5,37
